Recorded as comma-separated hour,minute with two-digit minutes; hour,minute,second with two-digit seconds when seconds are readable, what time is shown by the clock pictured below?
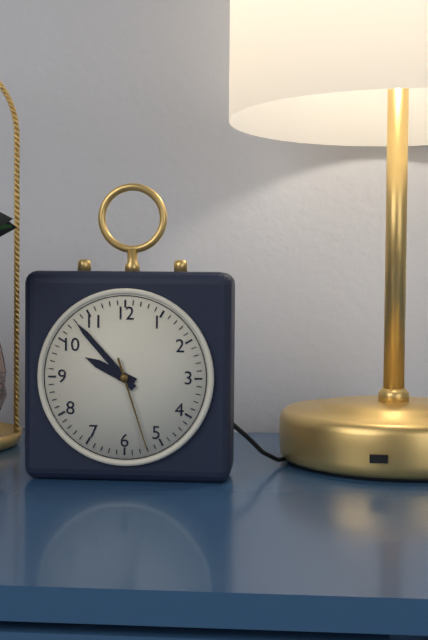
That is 9,53,27
